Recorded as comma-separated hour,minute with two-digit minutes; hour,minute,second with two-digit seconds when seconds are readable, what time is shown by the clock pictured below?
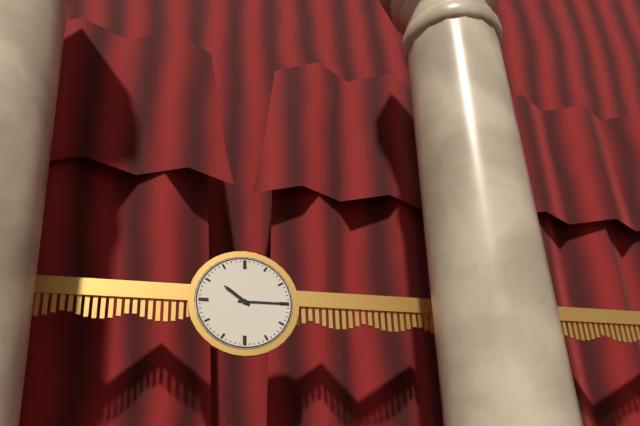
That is 10,15
